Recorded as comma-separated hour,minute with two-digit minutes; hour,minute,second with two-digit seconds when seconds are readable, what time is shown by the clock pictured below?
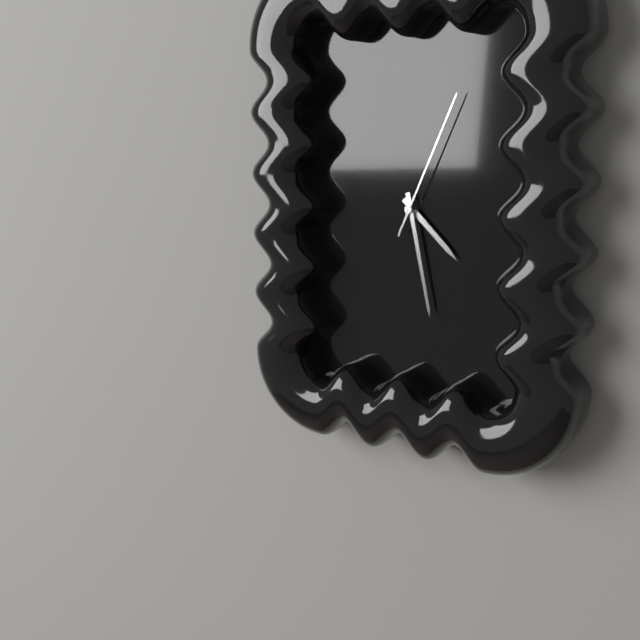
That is 4,28,04
